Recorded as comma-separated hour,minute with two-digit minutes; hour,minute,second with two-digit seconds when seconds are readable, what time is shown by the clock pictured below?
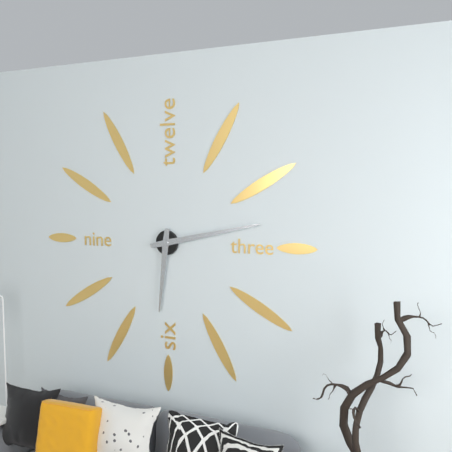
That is 6,13
